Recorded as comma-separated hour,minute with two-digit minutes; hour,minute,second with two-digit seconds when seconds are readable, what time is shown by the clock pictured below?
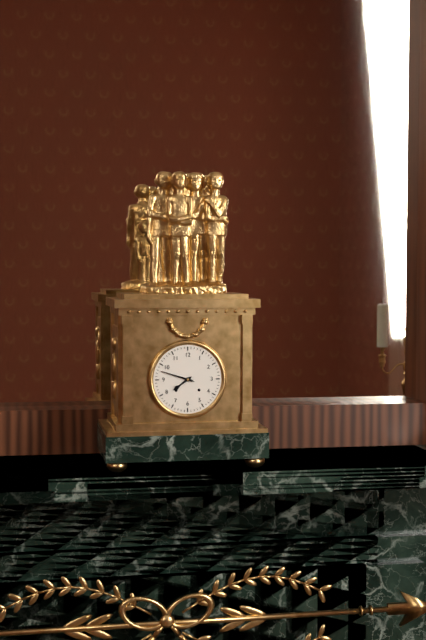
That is 7,48
